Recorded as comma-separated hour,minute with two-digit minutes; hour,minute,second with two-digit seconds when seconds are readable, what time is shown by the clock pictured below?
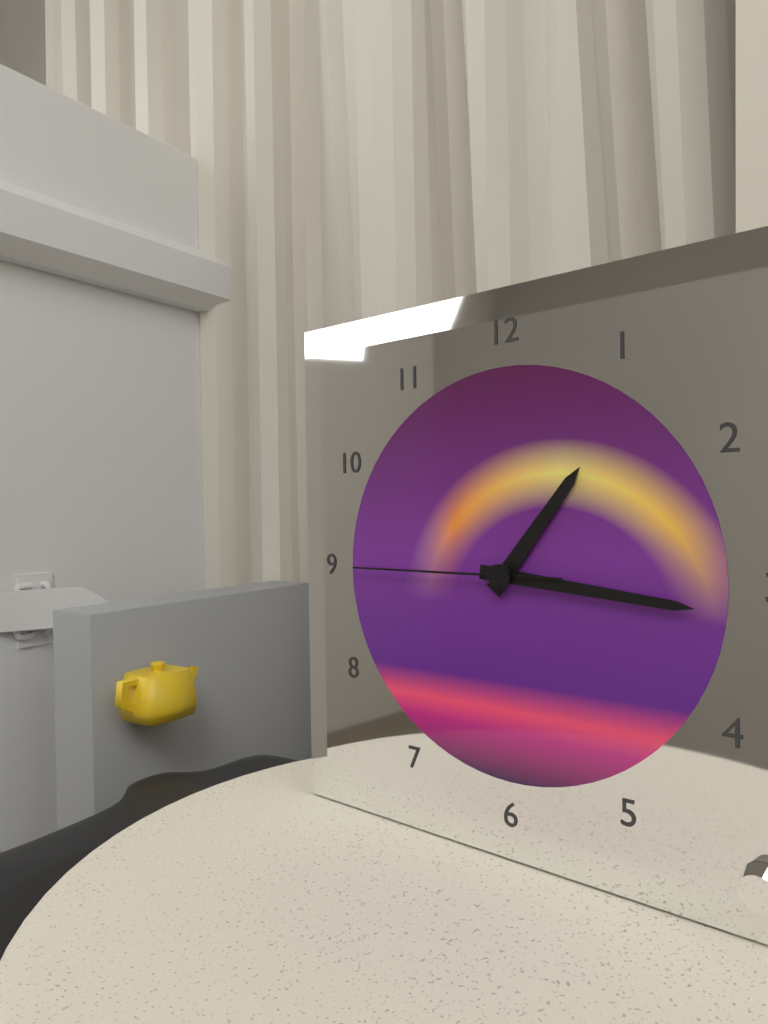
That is 1,16,45
